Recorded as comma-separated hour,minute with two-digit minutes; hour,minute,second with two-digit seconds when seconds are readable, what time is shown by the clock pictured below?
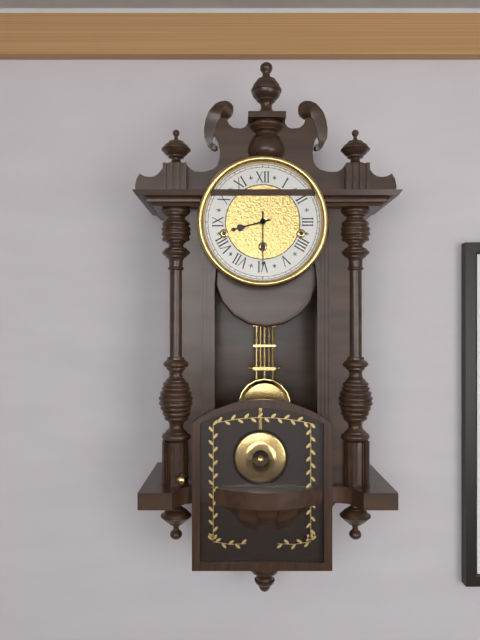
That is 8,30
